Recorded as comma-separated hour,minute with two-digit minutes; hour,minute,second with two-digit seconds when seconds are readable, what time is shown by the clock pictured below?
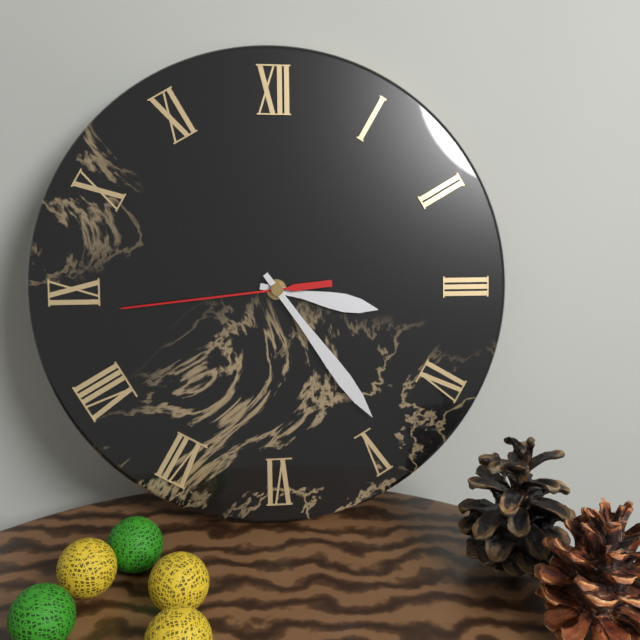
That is 3,24,44
